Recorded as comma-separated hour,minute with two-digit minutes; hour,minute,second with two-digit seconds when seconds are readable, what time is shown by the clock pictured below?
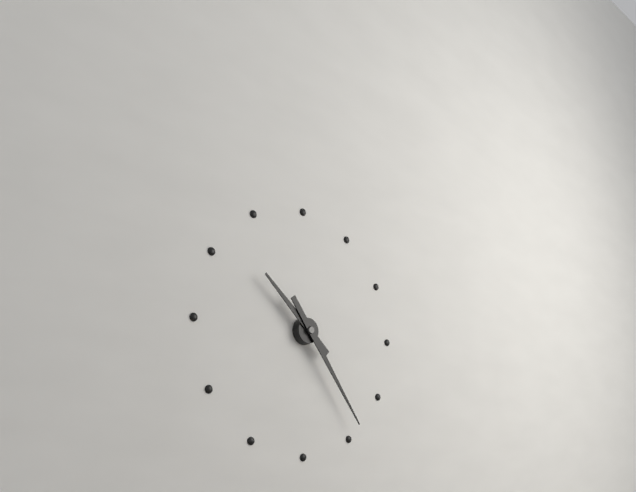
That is 10,24
